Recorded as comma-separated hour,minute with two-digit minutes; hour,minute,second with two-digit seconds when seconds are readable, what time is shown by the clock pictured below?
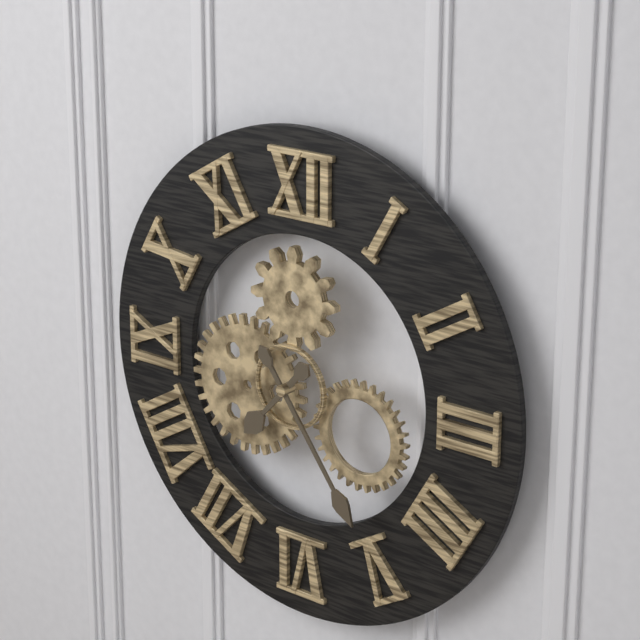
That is 7,24
